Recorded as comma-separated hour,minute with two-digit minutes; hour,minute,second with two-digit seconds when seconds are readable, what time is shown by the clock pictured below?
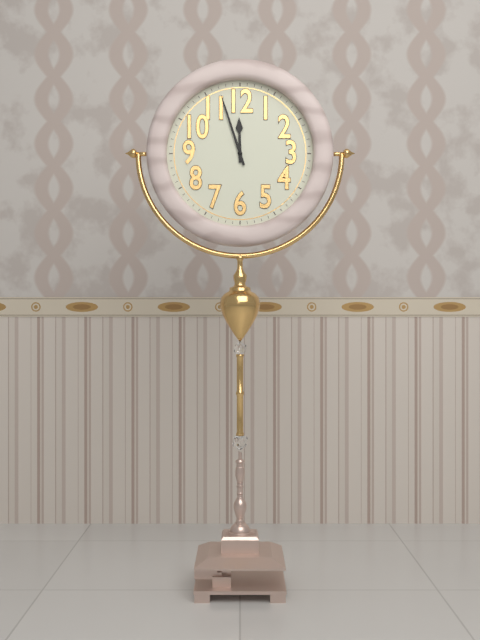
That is 11,57
